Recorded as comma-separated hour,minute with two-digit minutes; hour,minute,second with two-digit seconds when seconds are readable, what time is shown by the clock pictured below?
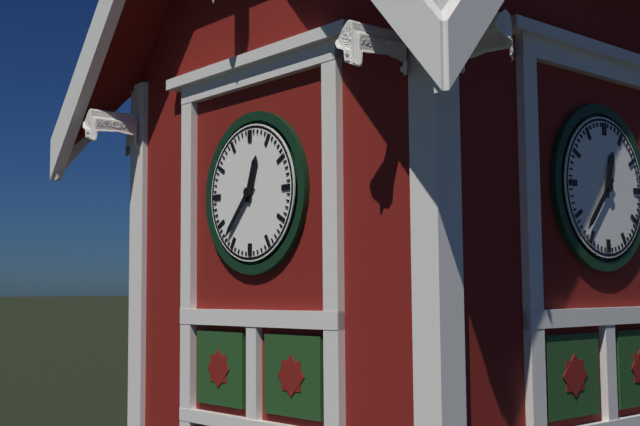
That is 12,37
